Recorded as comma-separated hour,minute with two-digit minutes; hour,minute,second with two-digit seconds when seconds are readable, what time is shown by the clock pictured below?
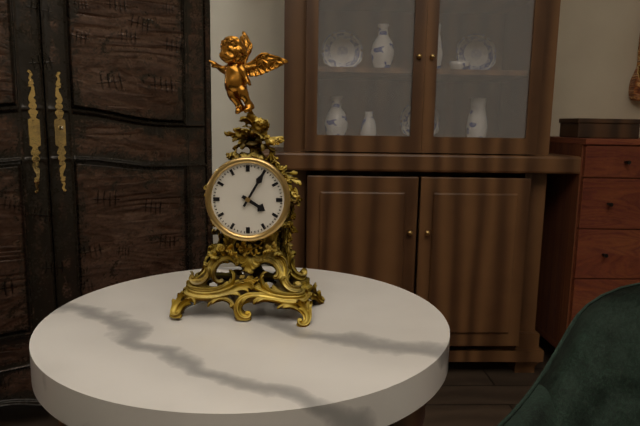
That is 4,05
